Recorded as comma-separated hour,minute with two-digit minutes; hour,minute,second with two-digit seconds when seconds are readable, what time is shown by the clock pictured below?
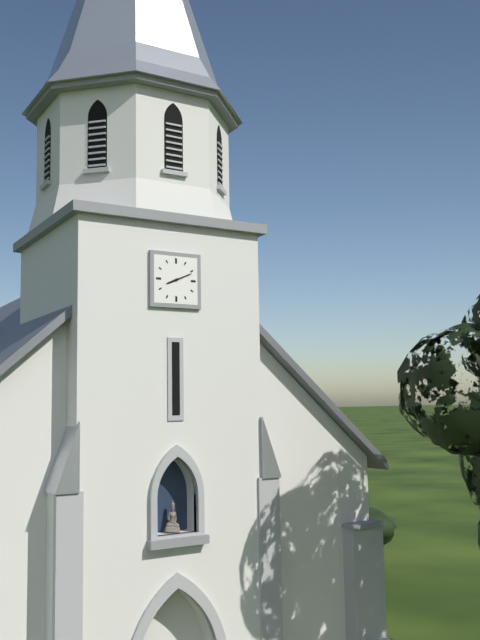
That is 8,11
